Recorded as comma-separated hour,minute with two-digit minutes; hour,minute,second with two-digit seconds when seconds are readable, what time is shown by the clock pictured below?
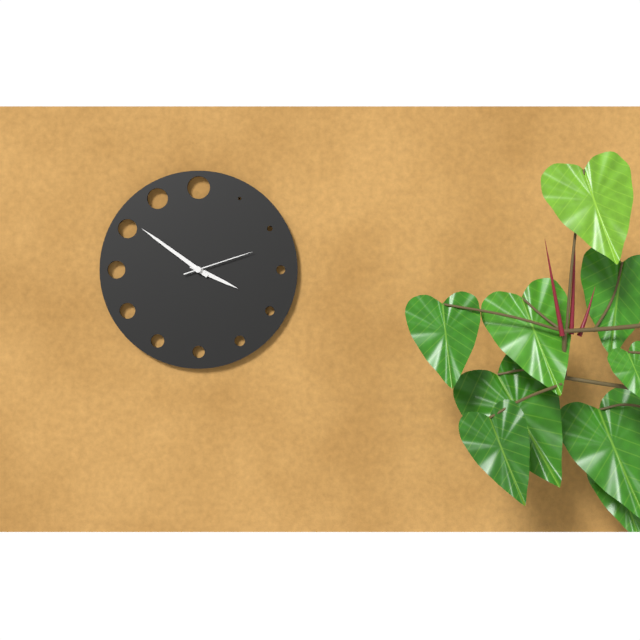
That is 3,51,12
